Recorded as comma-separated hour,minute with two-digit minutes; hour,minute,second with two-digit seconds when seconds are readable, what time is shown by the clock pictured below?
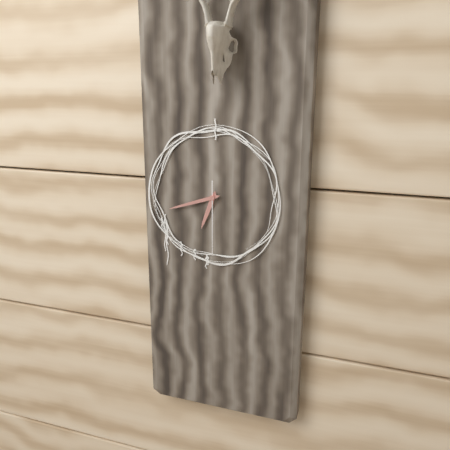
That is 6,42,30
